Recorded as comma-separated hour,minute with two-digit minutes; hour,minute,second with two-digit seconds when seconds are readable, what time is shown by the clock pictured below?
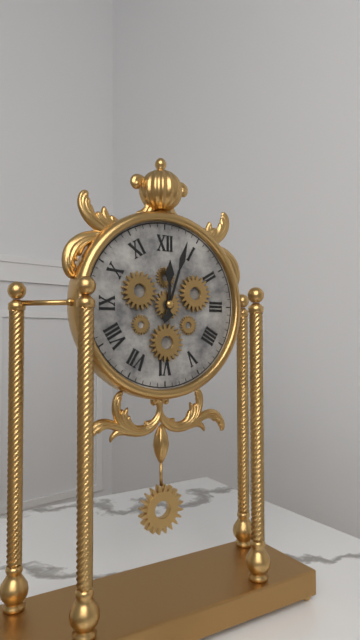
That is 12,03
